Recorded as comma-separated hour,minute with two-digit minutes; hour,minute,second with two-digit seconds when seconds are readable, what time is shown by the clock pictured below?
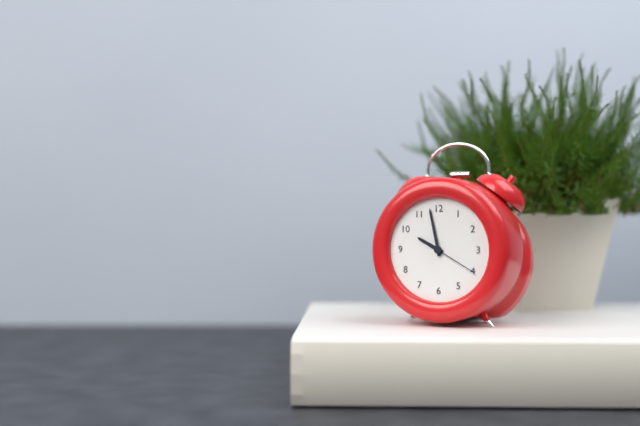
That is 9,58,20
